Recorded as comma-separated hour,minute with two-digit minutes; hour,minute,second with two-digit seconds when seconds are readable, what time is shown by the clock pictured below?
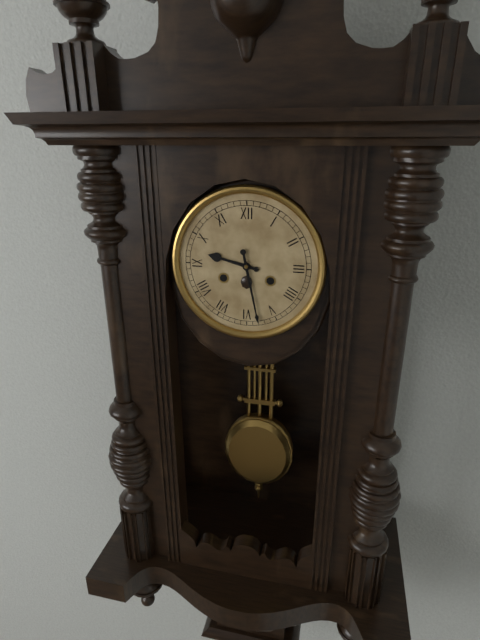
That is 9,28
